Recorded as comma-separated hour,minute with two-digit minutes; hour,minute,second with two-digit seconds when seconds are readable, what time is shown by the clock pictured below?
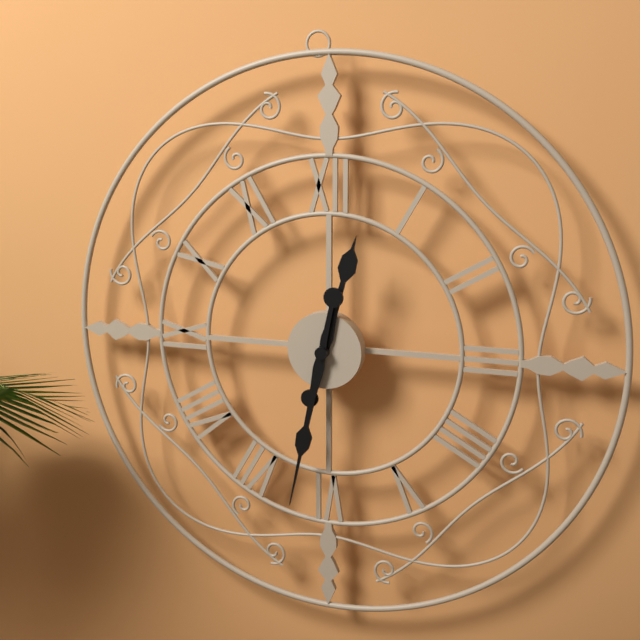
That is 12,32
